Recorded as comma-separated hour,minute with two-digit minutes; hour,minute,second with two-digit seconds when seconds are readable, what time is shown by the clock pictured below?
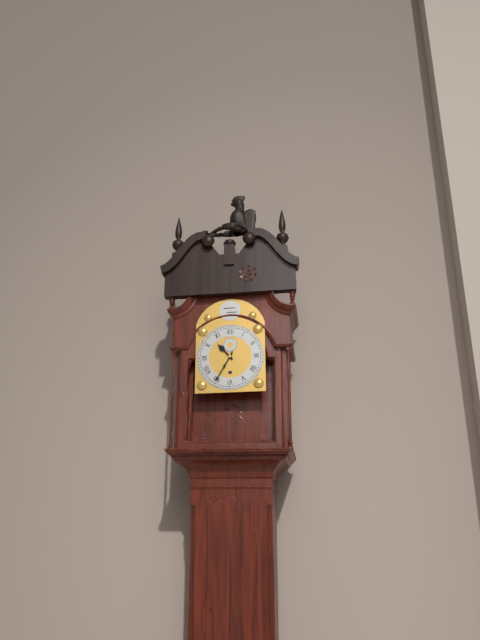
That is 10,35
